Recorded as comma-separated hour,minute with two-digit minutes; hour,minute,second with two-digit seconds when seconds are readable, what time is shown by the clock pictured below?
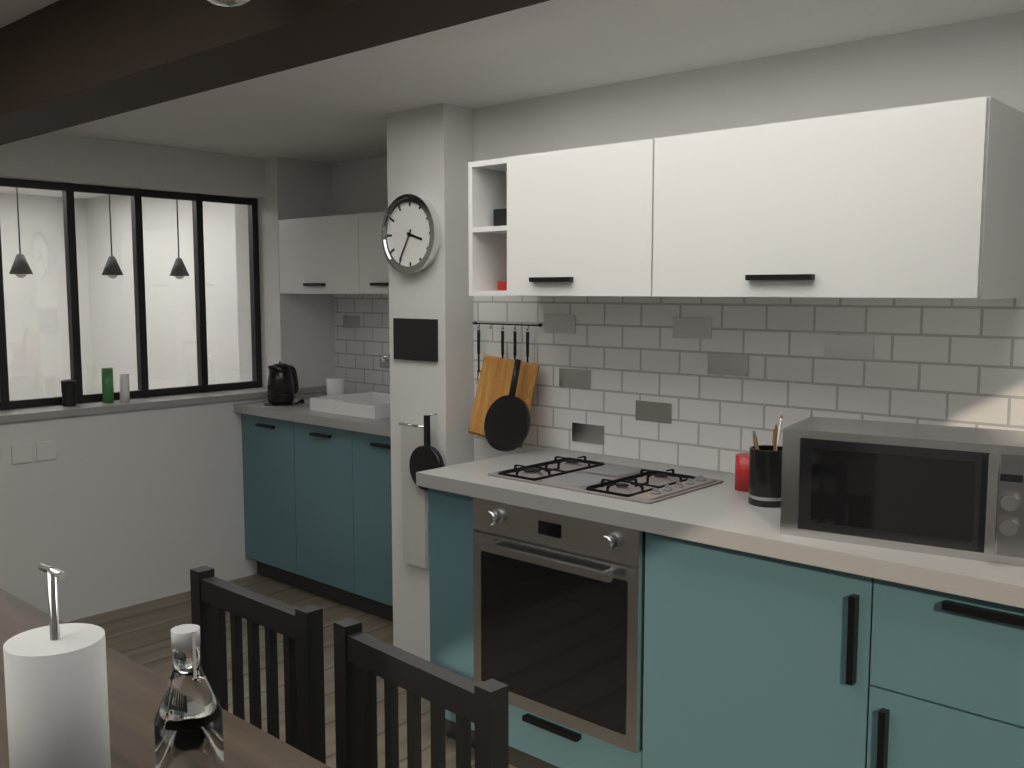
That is 3,35
